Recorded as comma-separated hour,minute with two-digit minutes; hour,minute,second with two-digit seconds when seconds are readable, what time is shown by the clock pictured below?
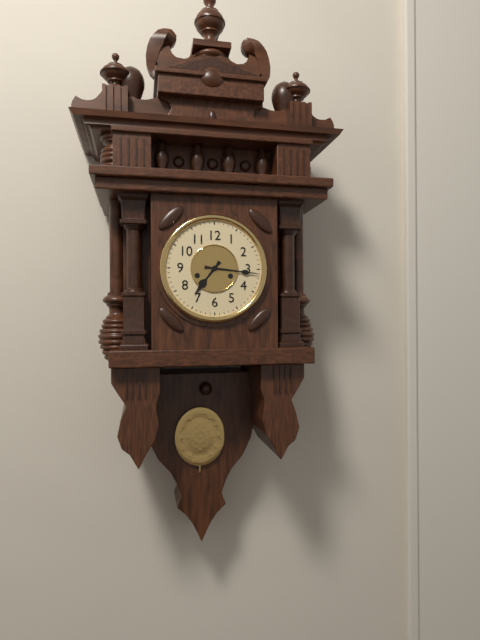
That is 7,16
